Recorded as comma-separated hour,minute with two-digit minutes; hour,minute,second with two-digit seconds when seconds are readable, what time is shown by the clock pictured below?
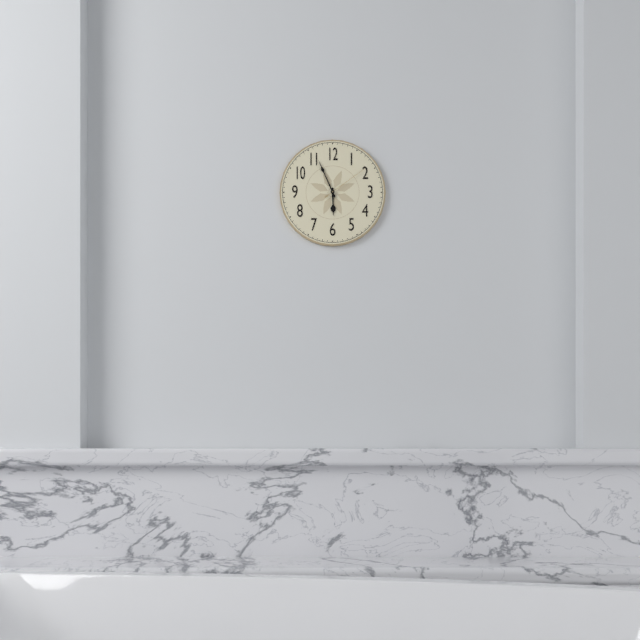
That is 5,56
